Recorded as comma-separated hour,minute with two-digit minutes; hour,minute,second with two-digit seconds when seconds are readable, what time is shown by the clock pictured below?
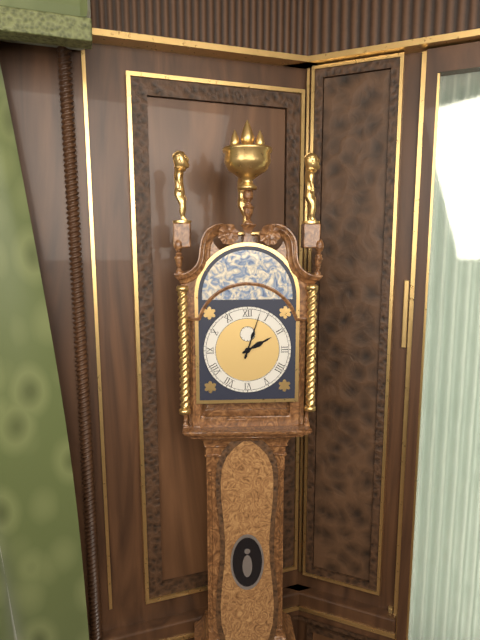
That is 2,03
